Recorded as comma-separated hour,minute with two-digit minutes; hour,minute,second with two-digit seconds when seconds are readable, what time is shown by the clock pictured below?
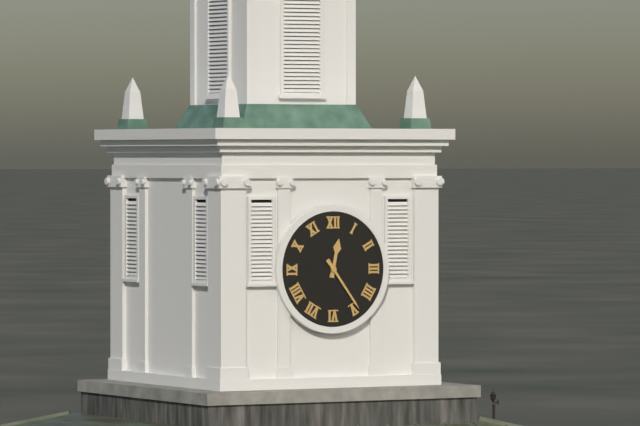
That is 12,24
